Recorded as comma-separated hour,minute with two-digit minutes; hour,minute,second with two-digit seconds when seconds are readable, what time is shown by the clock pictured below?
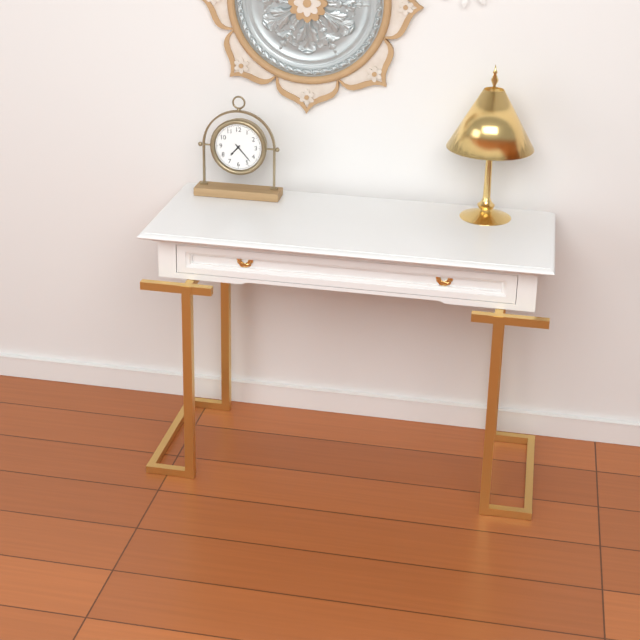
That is 7,23
